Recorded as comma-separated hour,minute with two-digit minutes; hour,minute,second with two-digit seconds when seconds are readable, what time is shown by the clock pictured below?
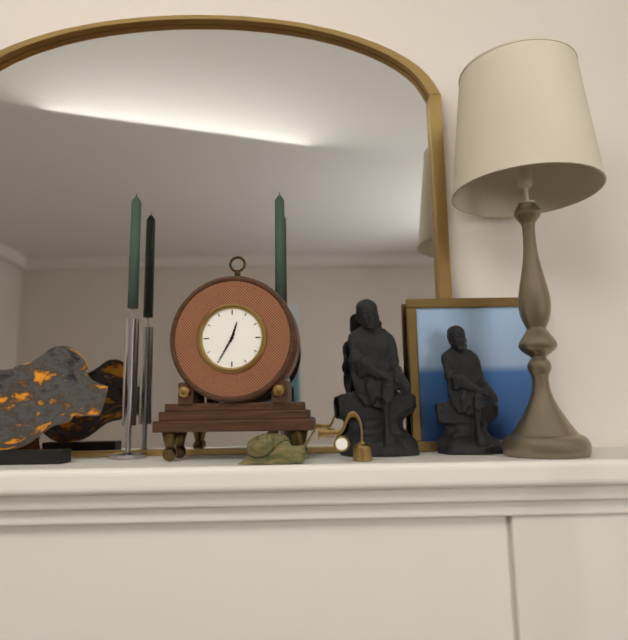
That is 12,35
